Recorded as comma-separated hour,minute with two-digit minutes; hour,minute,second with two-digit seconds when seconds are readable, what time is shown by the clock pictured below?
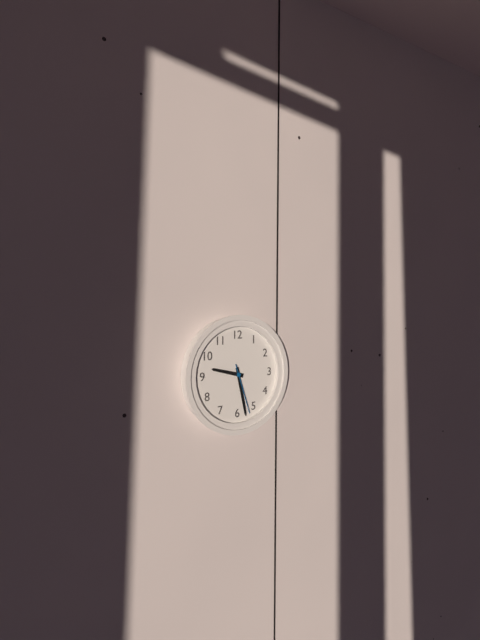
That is 9,28,27
